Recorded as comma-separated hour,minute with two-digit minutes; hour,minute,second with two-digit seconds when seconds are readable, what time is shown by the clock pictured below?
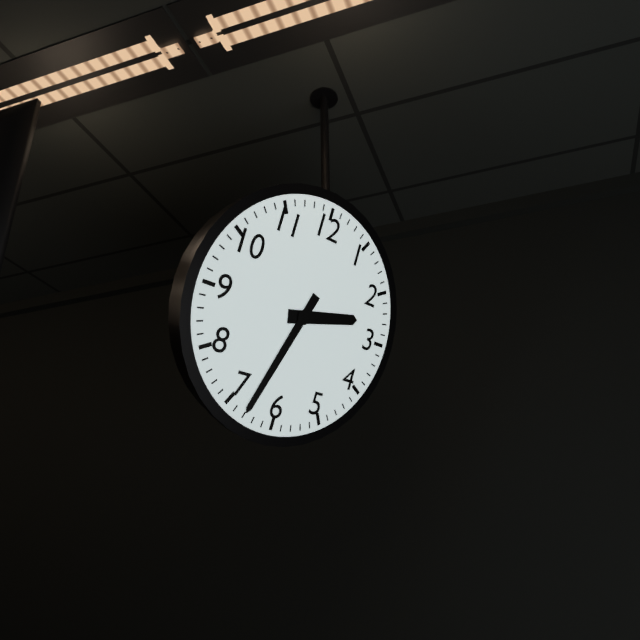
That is 2,33
